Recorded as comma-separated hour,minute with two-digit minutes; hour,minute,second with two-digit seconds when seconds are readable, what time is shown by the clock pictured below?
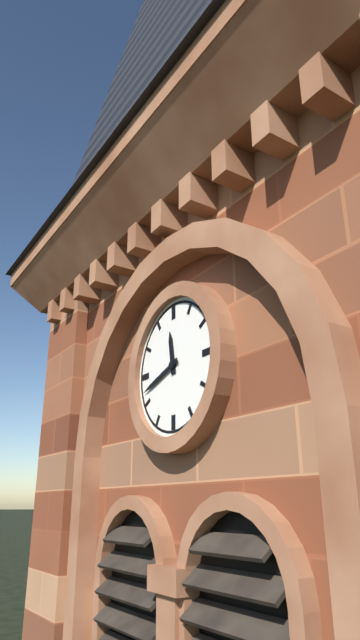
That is 11,42
